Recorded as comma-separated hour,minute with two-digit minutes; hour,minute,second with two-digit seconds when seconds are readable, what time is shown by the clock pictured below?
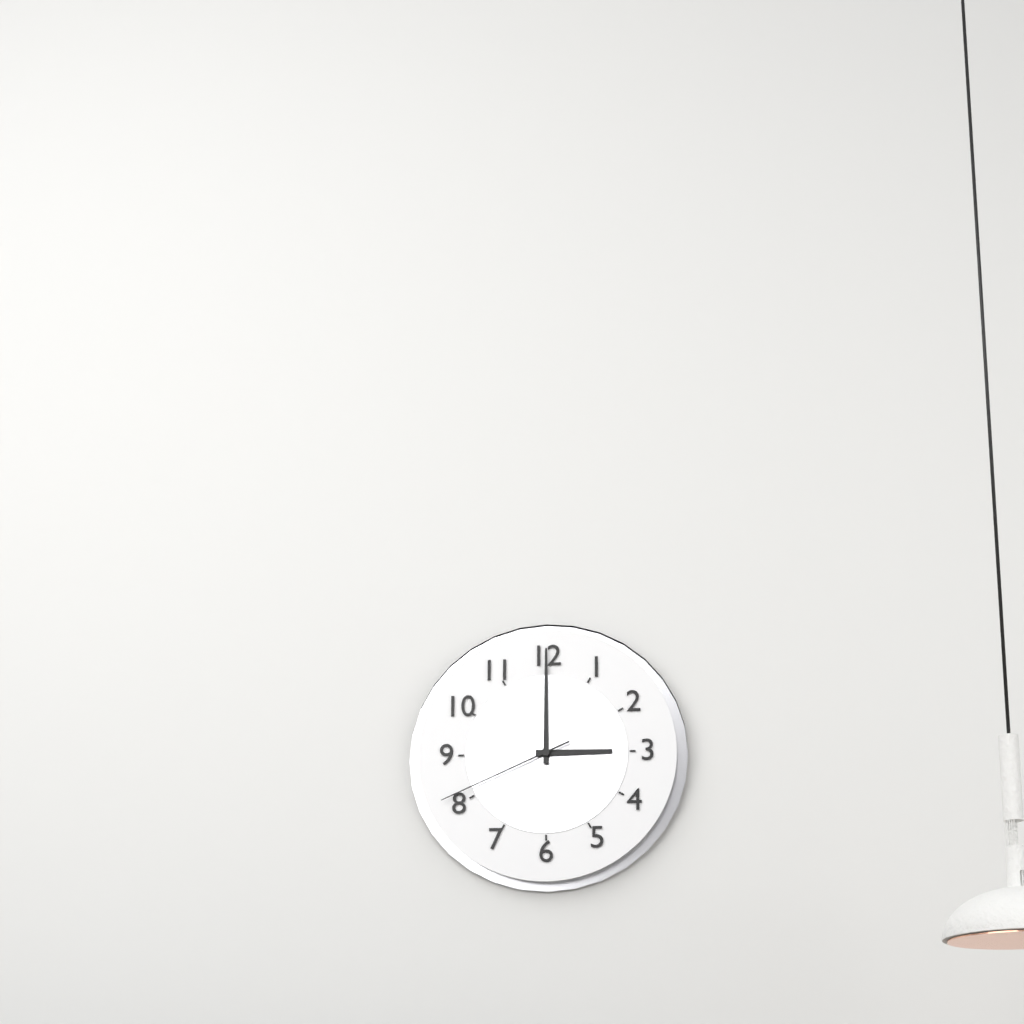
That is 3,00,41
